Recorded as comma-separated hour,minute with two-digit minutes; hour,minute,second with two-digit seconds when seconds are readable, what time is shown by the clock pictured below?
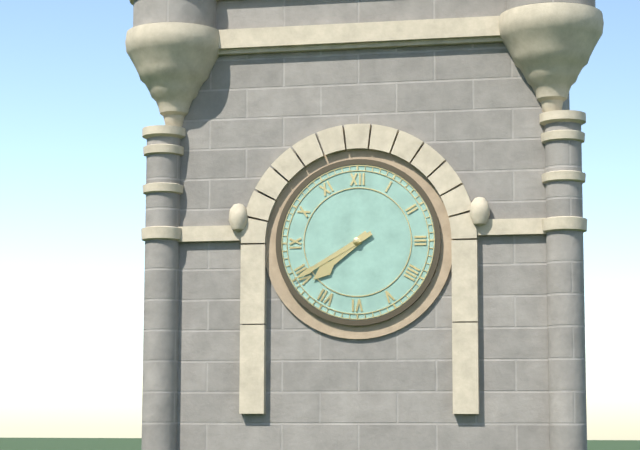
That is 7,40
